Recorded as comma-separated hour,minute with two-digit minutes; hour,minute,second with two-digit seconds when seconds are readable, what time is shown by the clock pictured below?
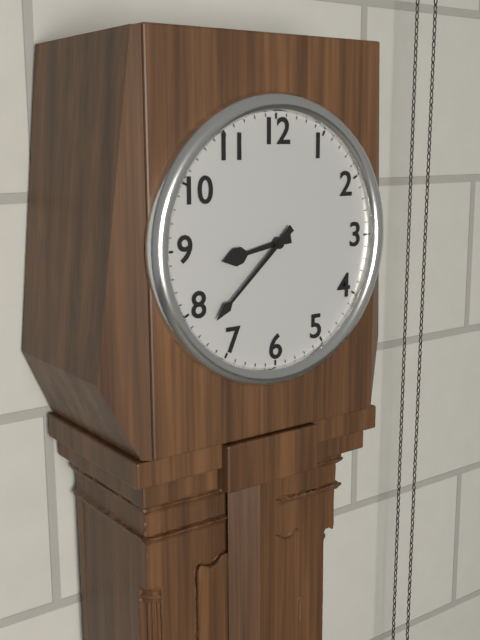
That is 8,38
